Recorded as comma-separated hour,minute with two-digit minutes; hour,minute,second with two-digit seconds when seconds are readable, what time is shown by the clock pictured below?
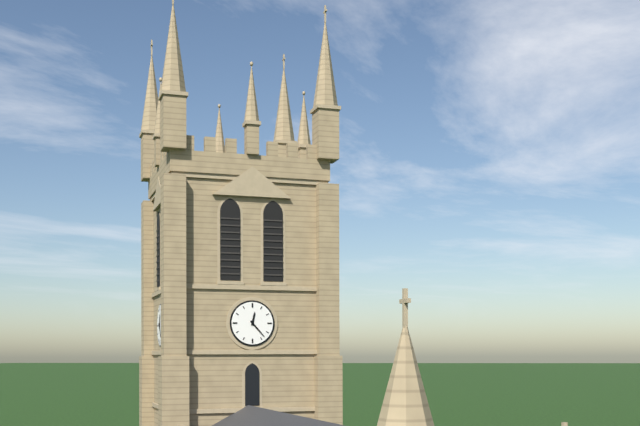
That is 12,23
